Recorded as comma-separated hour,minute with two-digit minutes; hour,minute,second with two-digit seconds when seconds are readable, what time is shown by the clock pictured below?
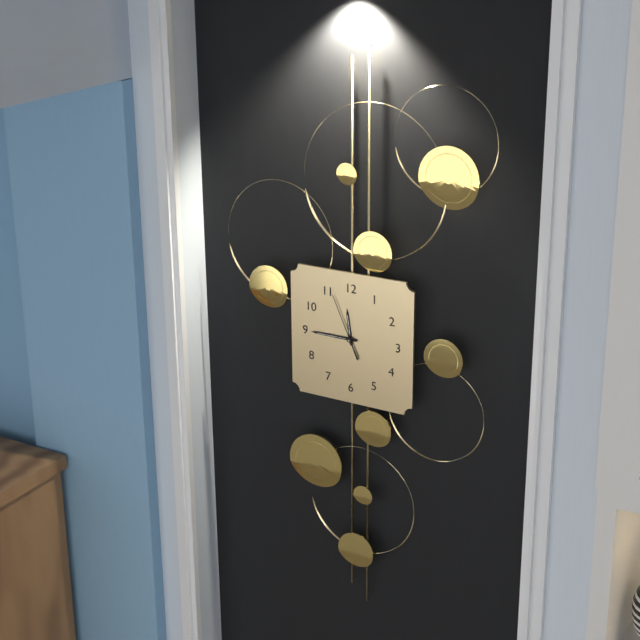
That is 11,45,56
